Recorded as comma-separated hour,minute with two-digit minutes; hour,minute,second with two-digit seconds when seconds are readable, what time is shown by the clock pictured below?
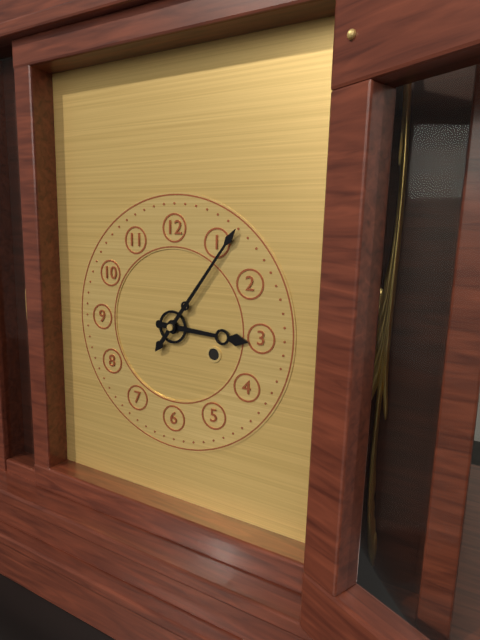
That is 3,06
